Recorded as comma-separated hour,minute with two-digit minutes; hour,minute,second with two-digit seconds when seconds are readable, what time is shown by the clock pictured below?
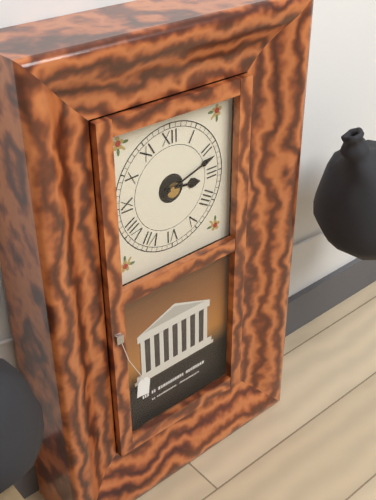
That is 3,12
